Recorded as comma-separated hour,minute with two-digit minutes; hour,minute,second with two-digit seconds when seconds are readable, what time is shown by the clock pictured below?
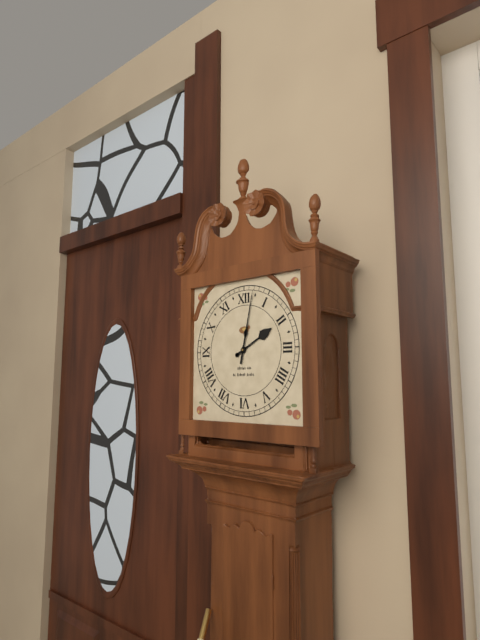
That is 2,02
